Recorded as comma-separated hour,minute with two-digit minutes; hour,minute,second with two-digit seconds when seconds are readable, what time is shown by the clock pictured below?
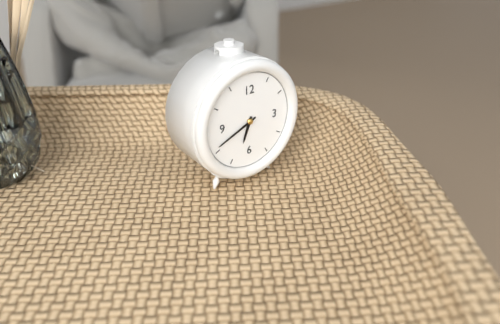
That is 6,41
